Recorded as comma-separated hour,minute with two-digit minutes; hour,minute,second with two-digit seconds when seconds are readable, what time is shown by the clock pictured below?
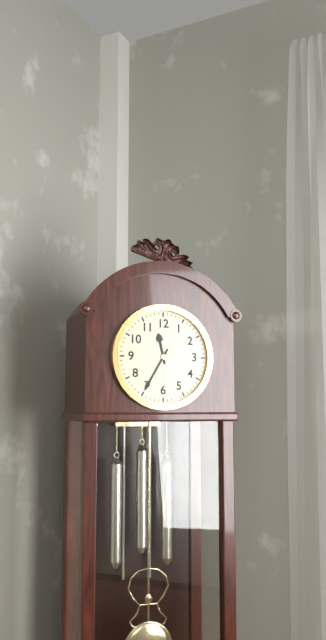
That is 11,35
